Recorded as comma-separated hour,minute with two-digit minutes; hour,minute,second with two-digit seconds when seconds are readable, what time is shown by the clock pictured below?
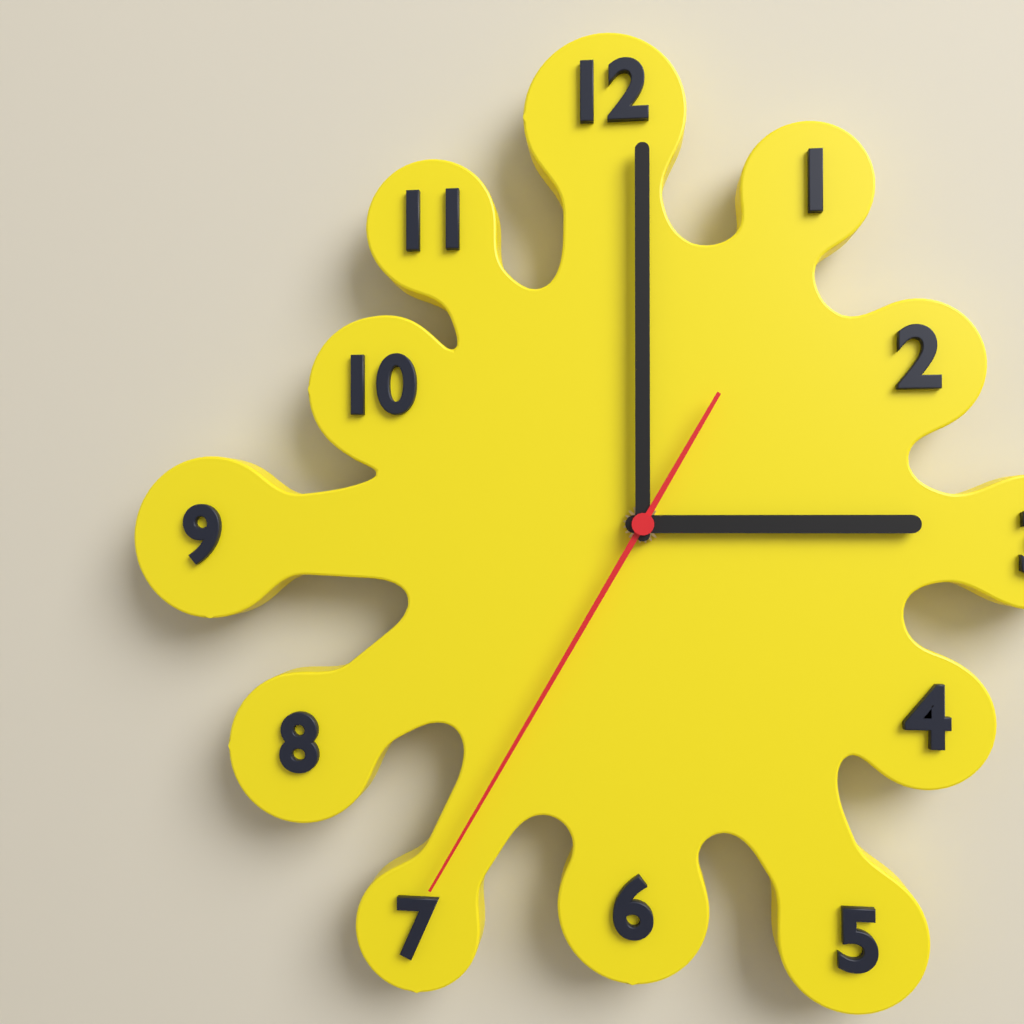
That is 3,00,35
